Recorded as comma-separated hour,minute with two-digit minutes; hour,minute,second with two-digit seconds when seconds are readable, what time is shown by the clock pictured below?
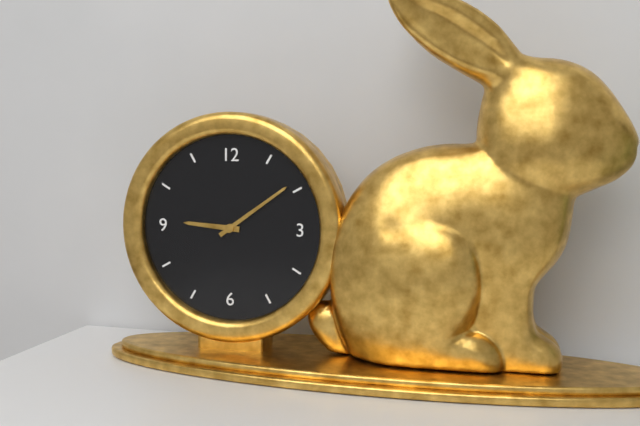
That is 9,09
